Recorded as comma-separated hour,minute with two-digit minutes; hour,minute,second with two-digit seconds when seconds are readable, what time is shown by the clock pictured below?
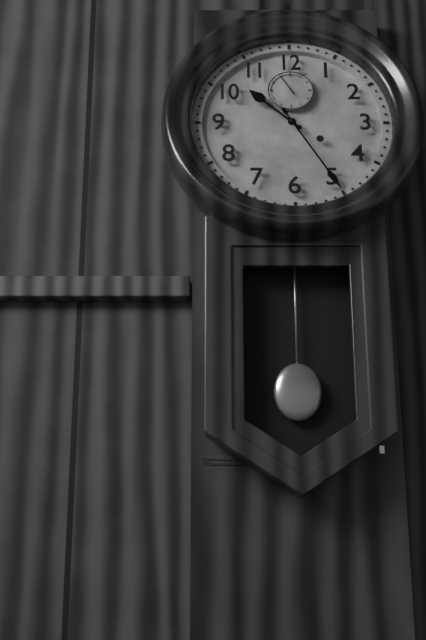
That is 10,25
